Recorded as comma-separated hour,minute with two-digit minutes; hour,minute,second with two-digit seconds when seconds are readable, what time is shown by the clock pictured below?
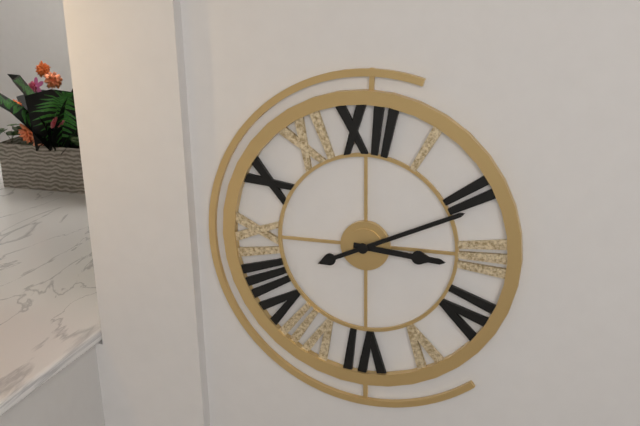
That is 3,11
